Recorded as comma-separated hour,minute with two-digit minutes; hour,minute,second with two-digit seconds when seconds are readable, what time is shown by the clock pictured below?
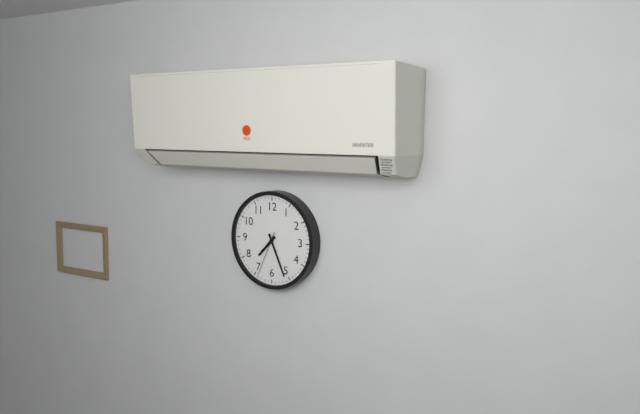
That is 7,26,34
